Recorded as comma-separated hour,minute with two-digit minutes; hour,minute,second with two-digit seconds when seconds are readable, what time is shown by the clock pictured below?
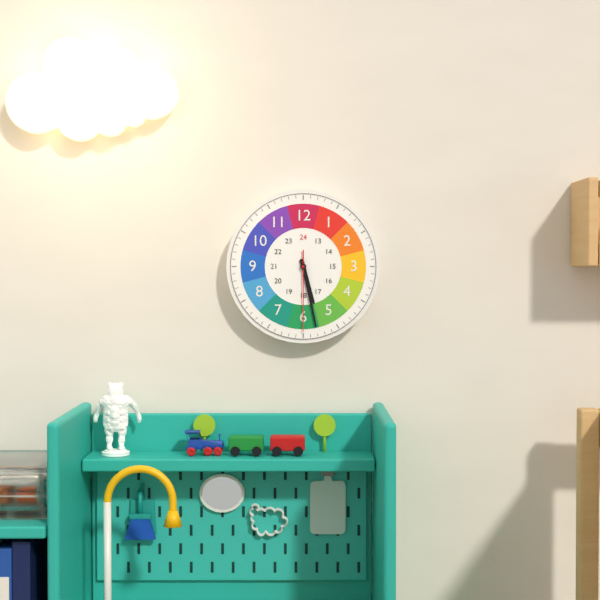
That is 5,28,30
